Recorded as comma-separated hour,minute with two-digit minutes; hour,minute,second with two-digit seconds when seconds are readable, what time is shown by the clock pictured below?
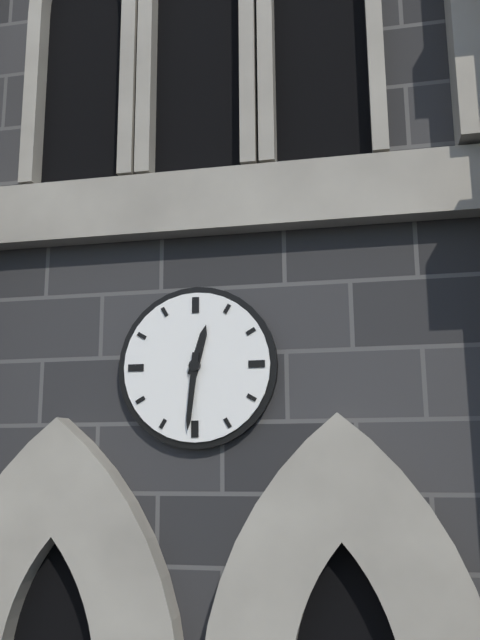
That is 12,31
